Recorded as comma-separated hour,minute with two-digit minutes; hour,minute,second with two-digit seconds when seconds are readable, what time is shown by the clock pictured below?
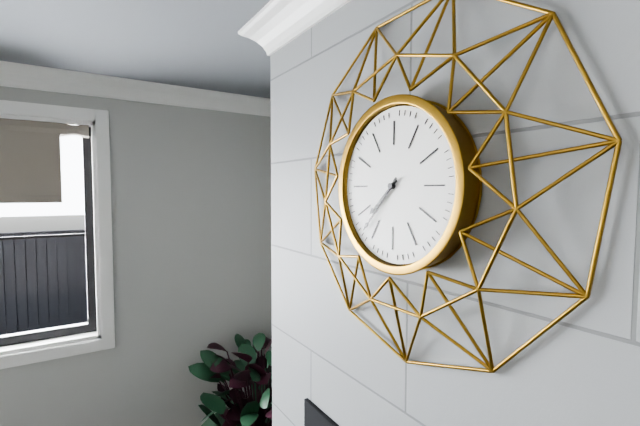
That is 7,37
